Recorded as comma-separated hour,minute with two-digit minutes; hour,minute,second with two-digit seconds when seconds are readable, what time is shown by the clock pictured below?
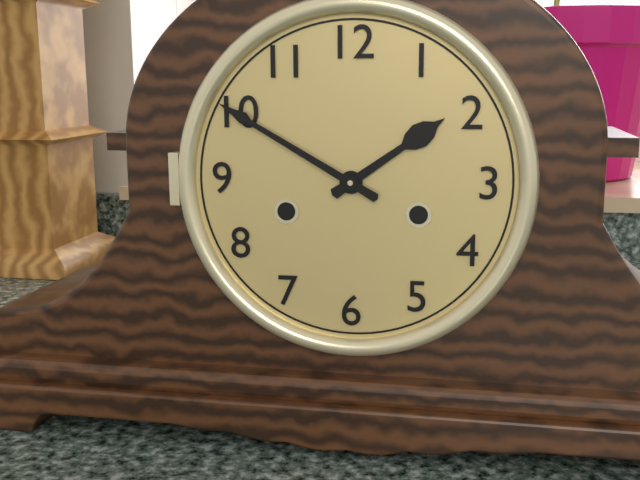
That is 1,50
